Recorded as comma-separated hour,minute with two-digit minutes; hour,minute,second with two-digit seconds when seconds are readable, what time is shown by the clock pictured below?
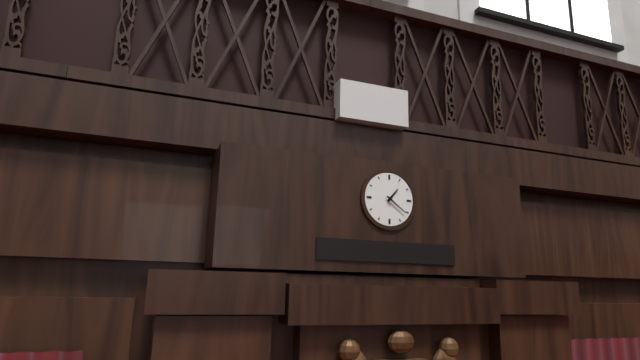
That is 1,21
